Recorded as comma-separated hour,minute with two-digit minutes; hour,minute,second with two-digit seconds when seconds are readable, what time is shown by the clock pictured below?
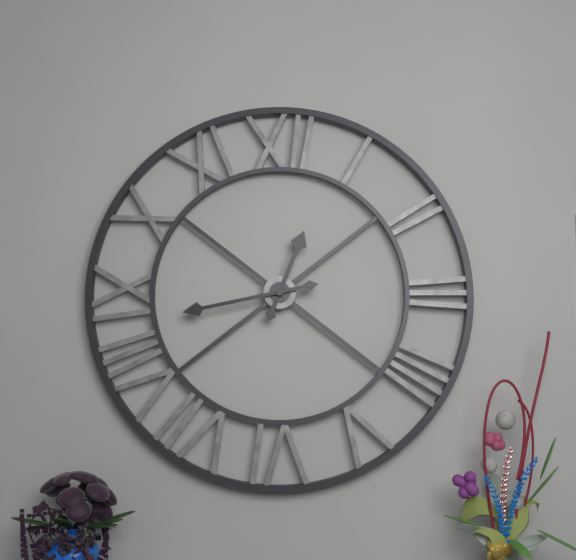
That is 12,43
